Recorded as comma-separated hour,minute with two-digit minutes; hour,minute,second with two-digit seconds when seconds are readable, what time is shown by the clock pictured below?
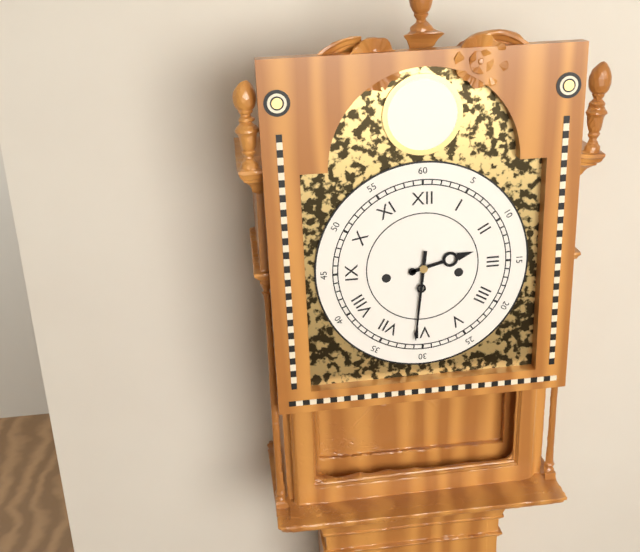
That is 2,31
